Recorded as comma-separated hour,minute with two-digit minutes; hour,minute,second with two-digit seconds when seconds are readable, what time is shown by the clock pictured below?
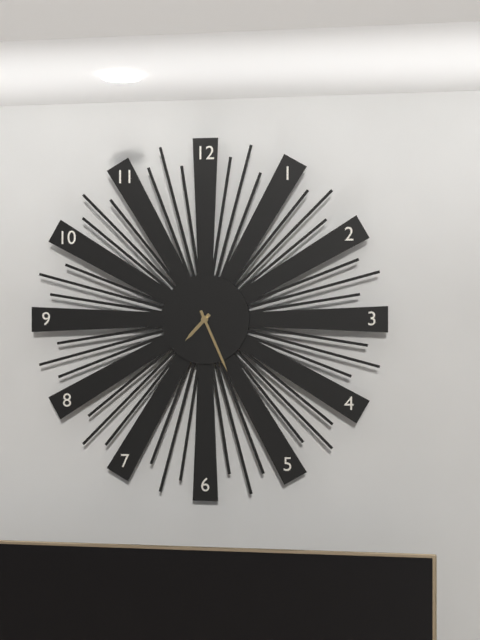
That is 7,26
